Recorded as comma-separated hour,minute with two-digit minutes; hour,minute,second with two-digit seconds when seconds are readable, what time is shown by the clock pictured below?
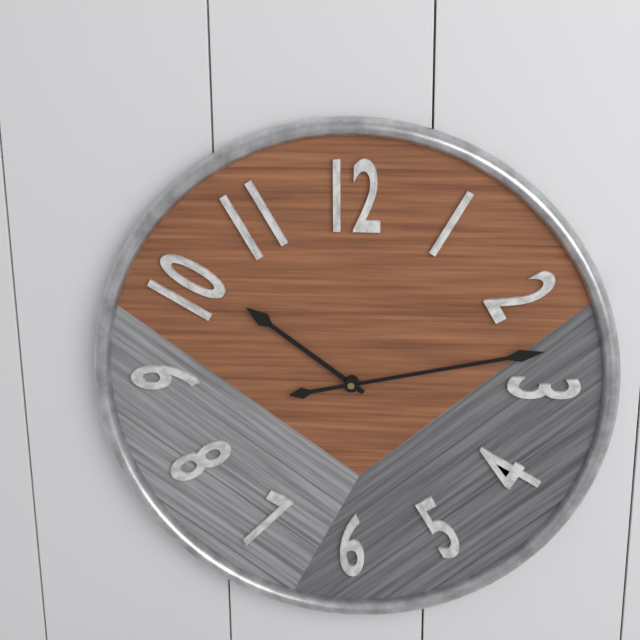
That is 10,13
